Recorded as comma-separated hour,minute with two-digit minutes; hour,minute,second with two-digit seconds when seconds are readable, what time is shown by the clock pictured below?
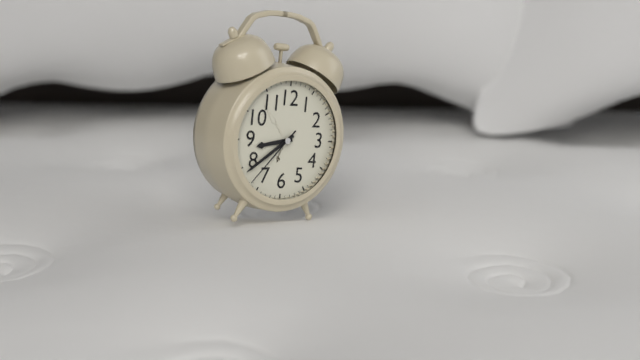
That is 8,39,37
